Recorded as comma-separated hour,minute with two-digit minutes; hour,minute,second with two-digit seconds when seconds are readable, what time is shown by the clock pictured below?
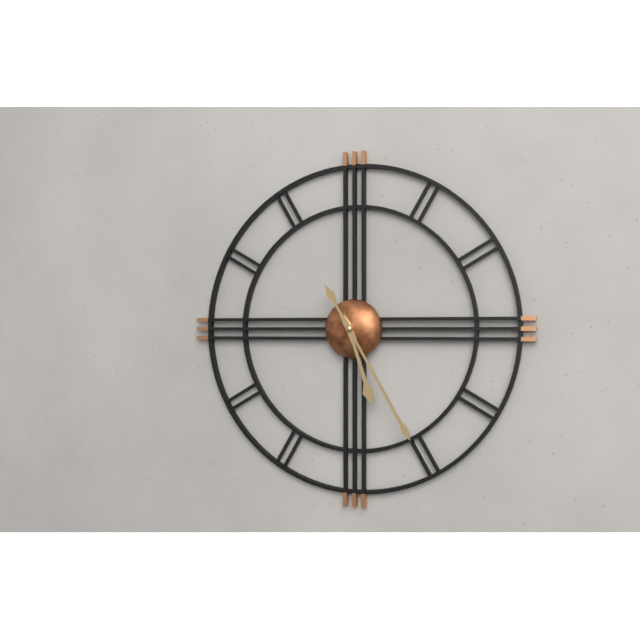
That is 5,25
